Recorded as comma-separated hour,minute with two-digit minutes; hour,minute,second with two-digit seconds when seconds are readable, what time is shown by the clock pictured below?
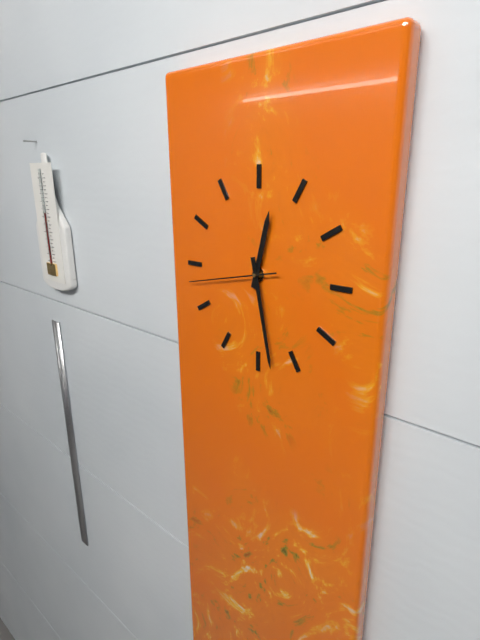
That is 12,28,43
